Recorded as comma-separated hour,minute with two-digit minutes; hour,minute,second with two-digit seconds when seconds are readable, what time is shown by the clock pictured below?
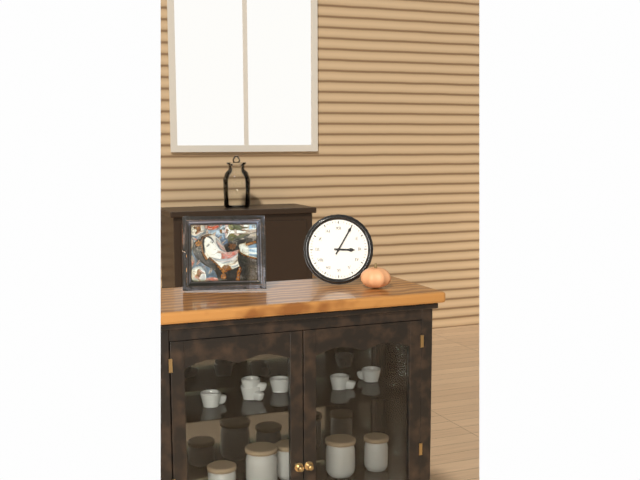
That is 3,05
